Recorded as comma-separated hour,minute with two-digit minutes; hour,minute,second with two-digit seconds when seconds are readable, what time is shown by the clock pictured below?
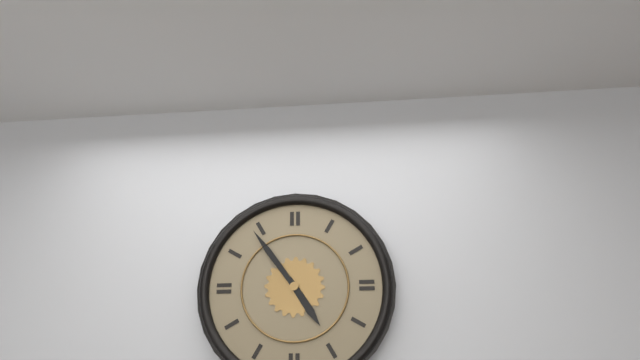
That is 4,54
